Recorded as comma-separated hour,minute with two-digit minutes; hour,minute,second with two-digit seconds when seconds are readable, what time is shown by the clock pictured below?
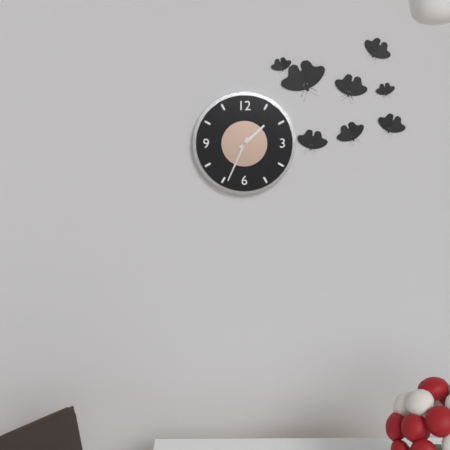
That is 1,34
